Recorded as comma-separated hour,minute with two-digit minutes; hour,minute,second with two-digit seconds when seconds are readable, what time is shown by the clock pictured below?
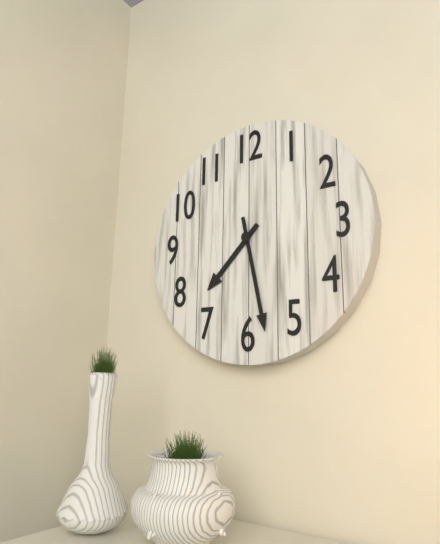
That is 7,28
